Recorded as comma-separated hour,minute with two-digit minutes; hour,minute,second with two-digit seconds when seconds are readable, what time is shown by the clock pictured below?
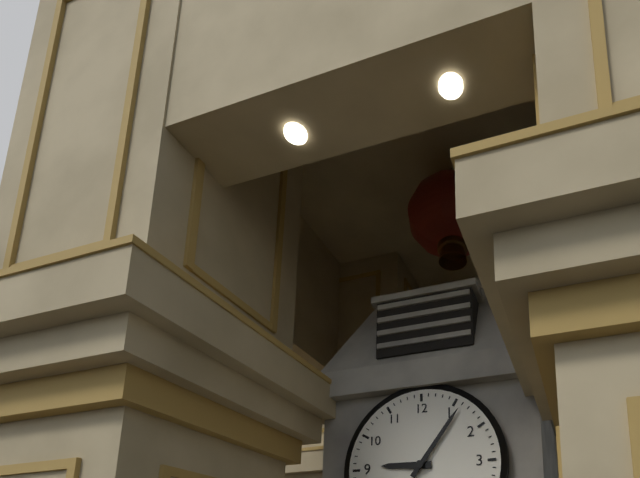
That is 9,06
